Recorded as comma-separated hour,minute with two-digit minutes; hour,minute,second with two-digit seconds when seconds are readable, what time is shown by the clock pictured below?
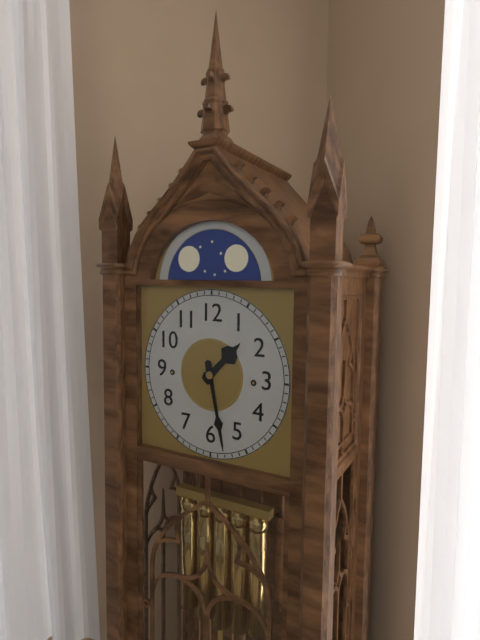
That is 1,28
